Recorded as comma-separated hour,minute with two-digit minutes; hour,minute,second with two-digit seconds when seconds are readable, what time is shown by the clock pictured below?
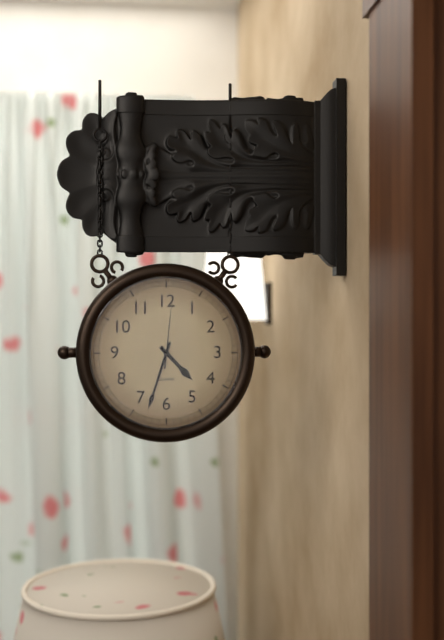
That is 4,33,01
